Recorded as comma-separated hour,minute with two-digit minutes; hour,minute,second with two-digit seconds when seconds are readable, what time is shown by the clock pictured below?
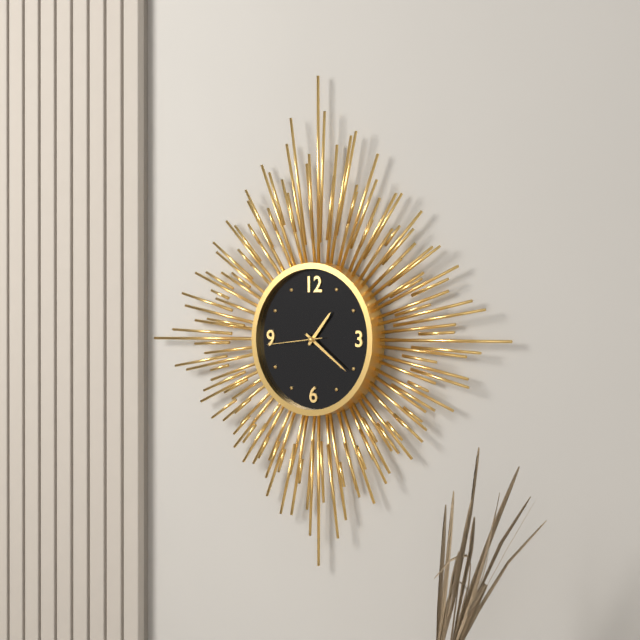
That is 1,21,44
